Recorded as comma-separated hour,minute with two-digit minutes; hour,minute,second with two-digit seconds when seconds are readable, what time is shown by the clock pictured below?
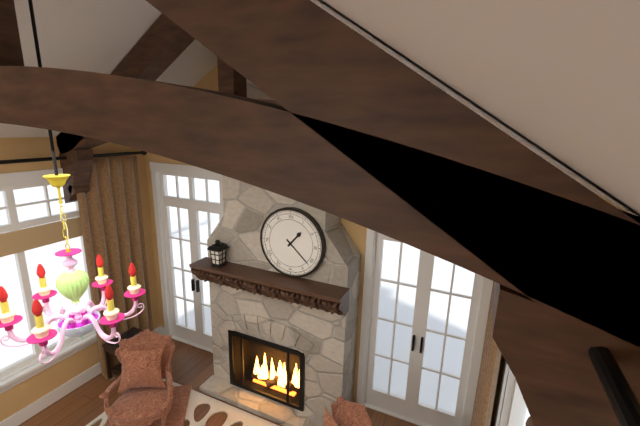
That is 1,22
